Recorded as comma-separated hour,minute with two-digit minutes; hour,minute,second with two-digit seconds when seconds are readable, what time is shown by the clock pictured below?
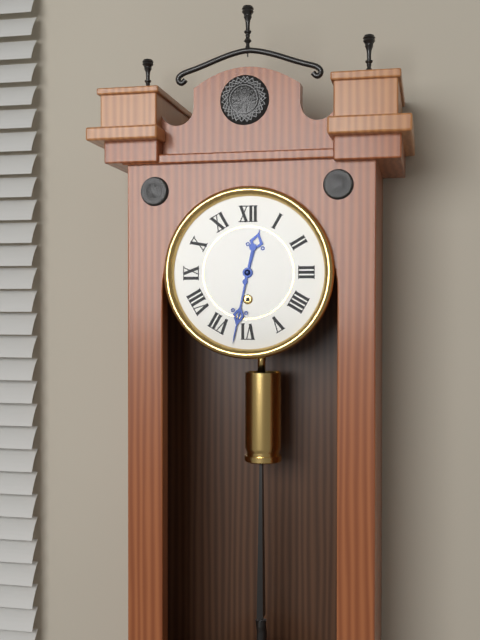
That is 12,32
